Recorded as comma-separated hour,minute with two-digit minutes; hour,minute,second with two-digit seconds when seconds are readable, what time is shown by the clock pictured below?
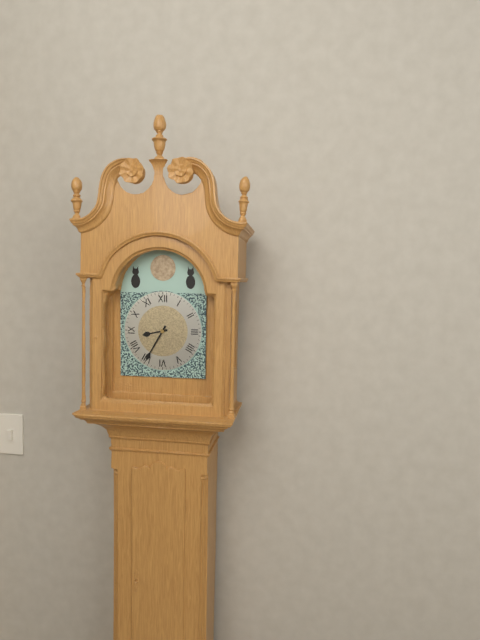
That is 8,35
